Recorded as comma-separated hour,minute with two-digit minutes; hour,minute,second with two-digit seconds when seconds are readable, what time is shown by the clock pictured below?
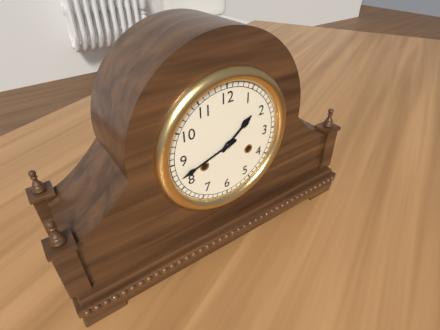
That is 1,42
